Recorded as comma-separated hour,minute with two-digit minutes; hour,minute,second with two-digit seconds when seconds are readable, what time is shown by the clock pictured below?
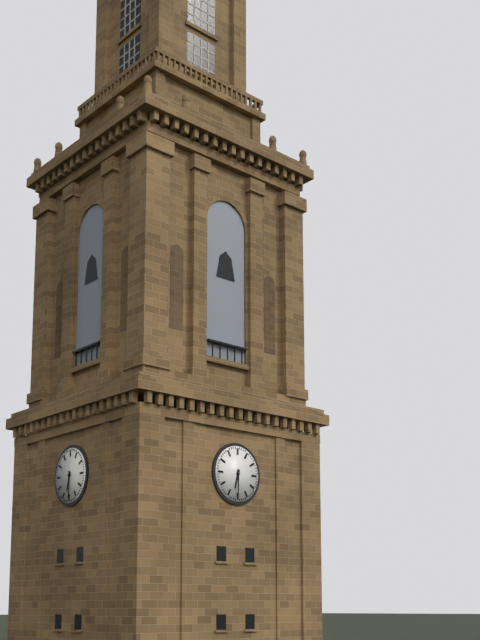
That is 6,30
